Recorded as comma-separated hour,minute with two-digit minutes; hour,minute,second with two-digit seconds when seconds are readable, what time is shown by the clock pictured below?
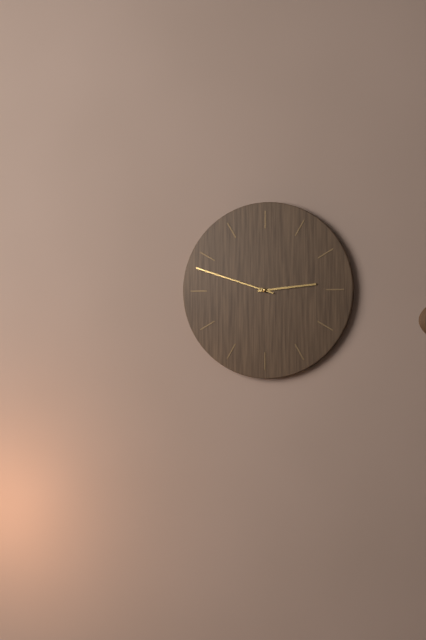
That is 2,48
